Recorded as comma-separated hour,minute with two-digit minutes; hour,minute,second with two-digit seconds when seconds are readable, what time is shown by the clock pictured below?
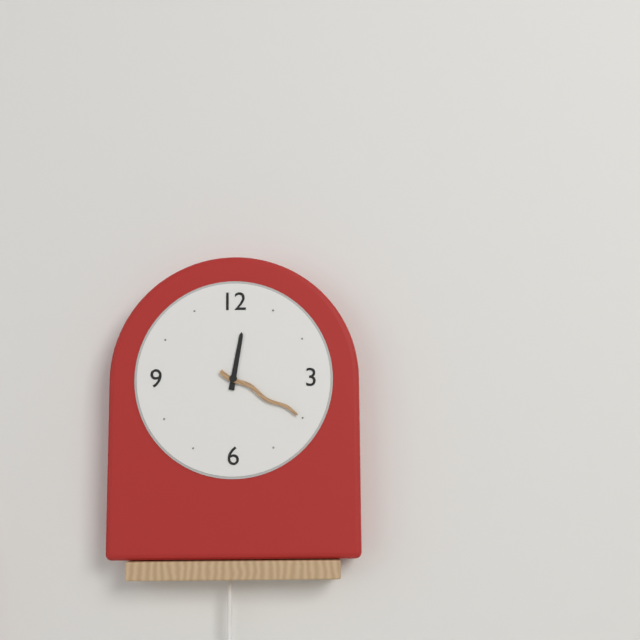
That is 12,20
